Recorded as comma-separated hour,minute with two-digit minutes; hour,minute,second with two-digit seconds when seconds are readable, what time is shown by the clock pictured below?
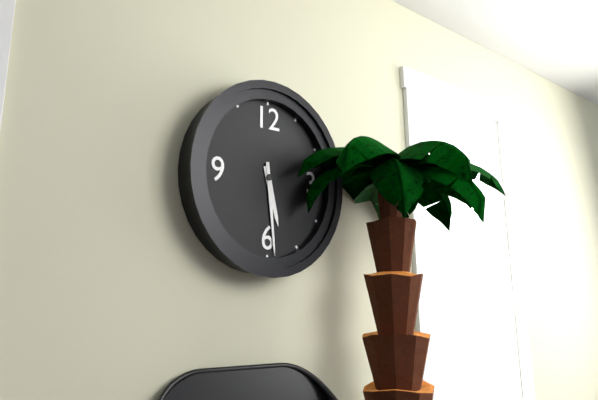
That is 5,29
